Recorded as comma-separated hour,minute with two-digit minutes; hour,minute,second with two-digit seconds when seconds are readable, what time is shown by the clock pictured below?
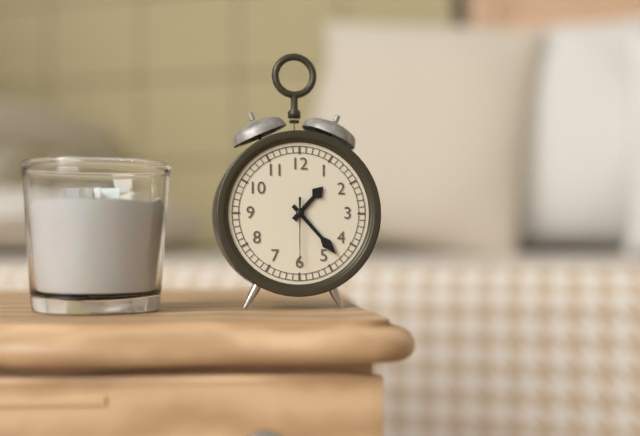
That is 1,23,30
